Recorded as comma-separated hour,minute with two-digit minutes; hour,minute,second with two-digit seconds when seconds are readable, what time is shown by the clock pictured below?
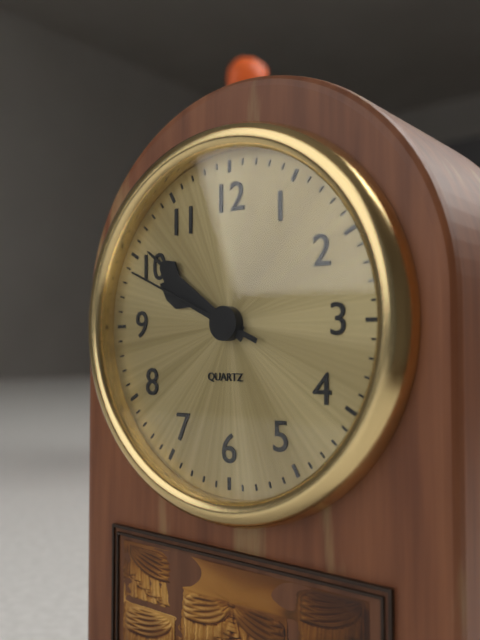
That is 9,51,49
